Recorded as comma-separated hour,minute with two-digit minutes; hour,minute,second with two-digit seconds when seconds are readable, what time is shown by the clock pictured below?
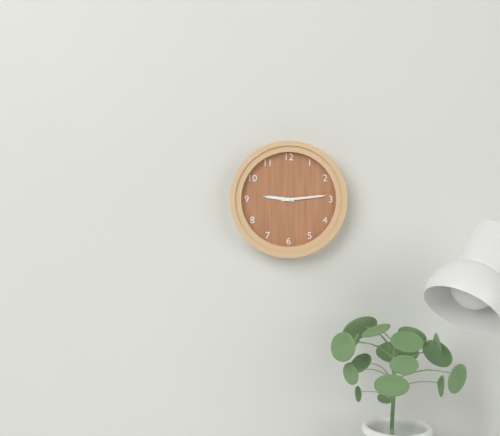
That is 9,14
